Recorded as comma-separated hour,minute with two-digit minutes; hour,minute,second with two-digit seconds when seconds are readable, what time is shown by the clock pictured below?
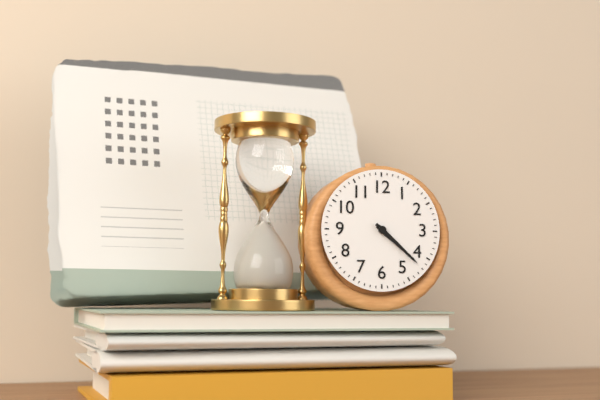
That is 4,22
